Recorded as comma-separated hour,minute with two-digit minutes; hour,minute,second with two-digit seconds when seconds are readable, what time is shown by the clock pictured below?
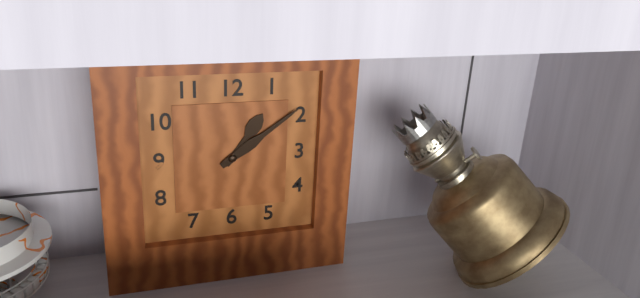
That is 1,09
